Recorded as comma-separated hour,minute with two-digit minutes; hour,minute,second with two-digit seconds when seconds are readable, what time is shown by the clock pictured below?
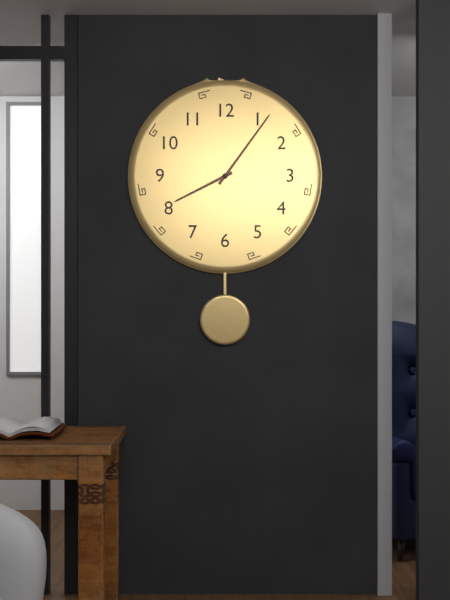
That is 8,06
